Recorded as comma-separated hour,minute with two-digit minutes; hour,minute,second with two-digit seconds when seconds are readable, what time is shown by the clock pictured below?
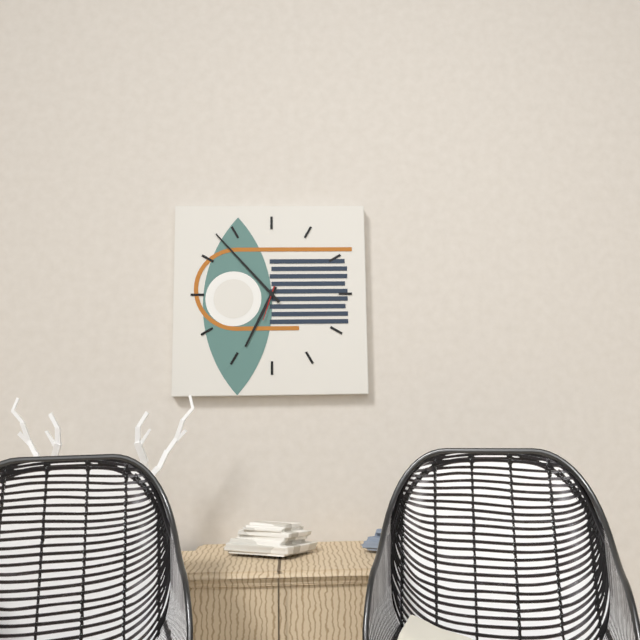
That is 6,53
